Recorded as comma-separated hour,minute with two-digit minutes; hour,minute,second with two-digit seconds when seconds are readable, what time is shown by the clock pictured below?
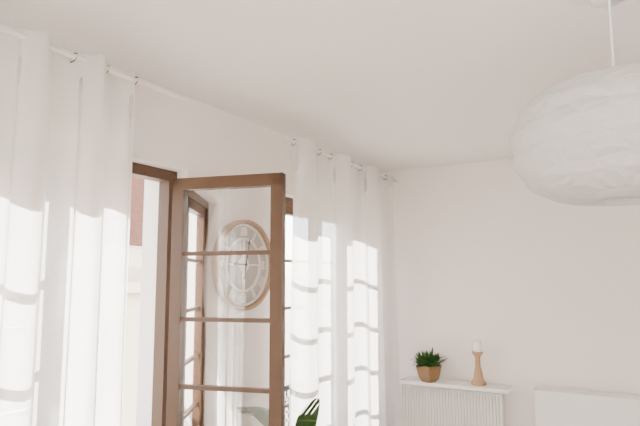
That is 9,02
